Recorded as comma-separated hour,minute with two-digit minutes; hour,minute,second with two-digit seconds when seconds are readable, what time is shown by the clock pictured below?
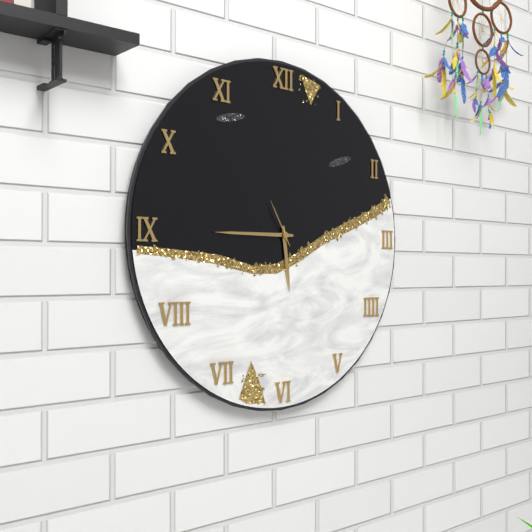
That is 5,45
